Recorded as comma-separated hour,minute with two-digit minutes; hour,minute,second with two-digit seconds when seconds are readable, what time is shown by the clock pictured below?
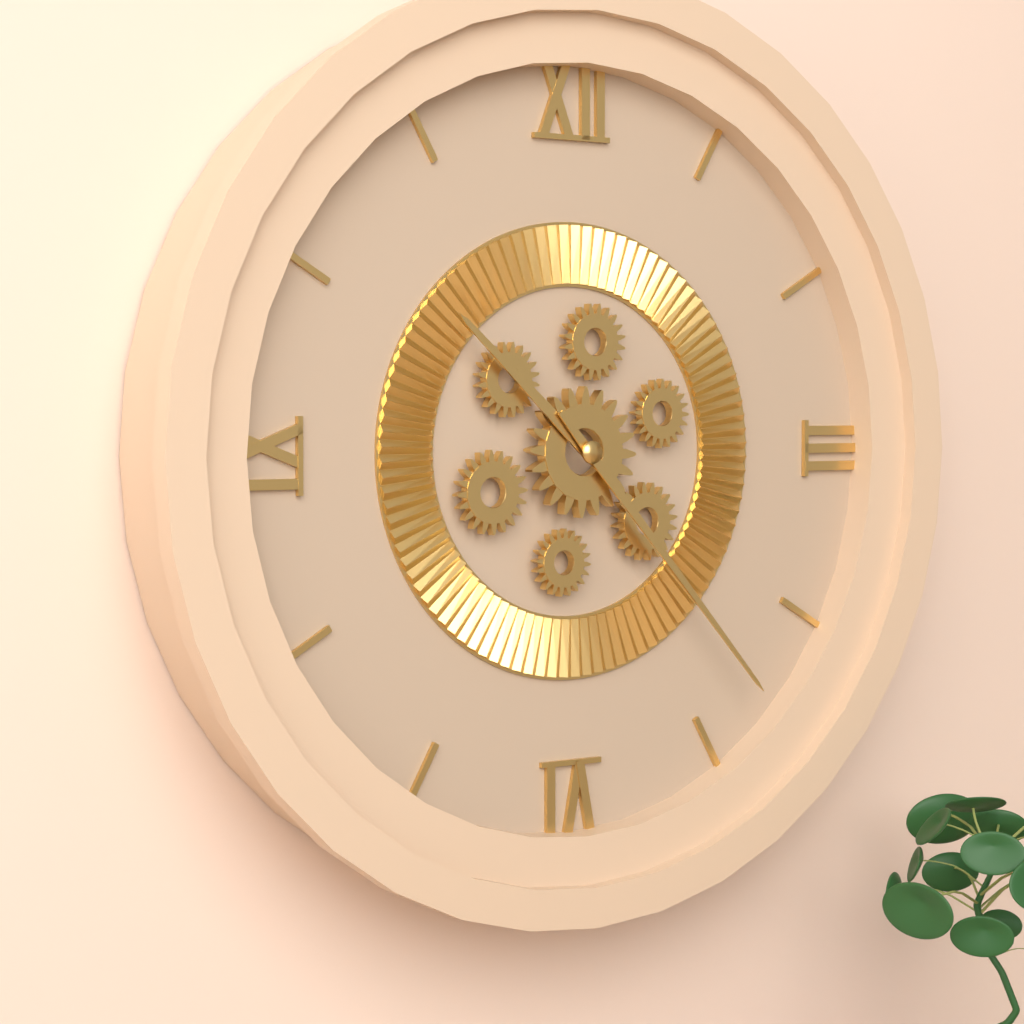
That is 10,23
